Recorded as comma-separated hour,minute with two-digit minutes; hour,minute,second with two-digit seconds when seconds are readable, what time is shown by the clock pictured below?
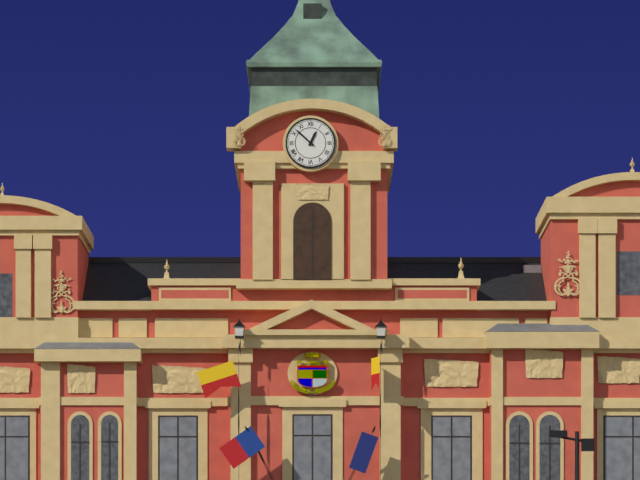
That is 12,52
